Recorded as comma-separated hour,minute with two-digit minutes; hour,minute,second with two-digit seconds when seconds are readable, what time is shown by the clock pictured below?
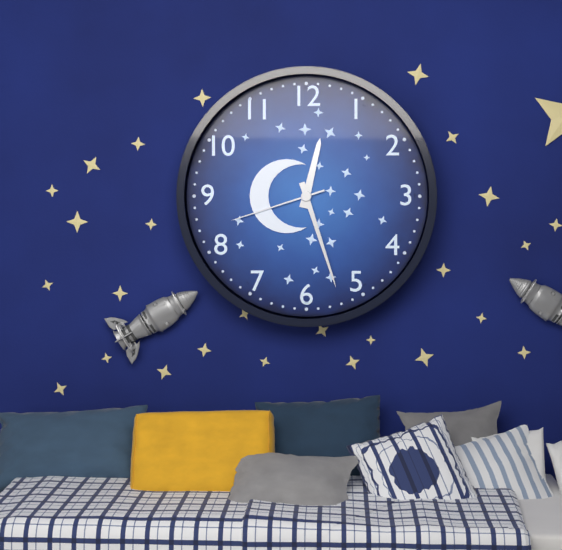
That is 12,27,42
